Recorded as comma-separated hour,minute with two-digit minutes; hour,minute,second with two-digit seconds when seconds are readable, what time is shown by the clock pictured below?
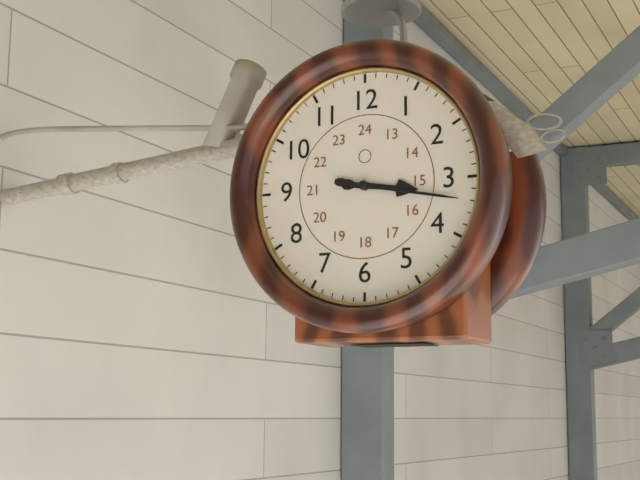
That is 3,17
